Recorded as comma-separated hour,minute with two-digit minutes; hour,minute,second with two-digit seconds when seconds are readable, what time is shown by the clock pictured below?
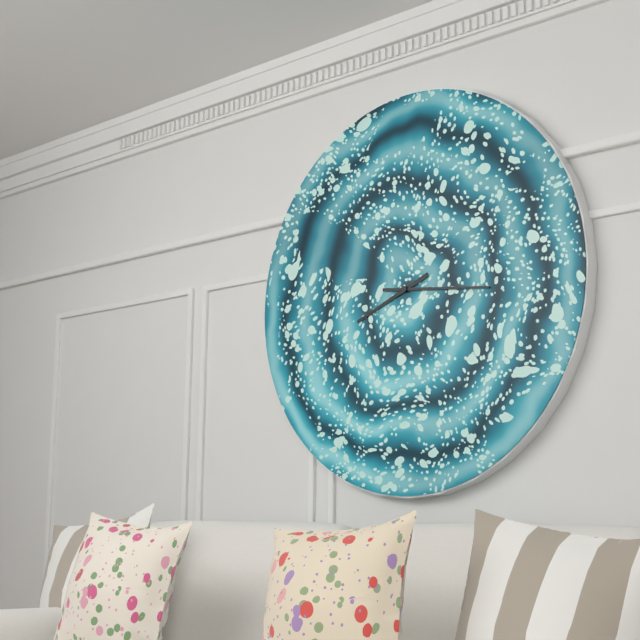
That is 8,16
